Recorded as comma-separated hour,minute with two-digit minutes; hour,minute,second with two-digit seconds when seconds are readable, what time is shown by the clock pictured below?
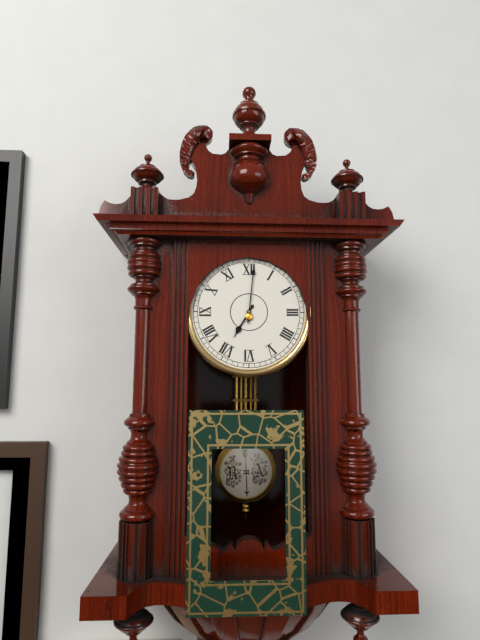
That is 7,01
